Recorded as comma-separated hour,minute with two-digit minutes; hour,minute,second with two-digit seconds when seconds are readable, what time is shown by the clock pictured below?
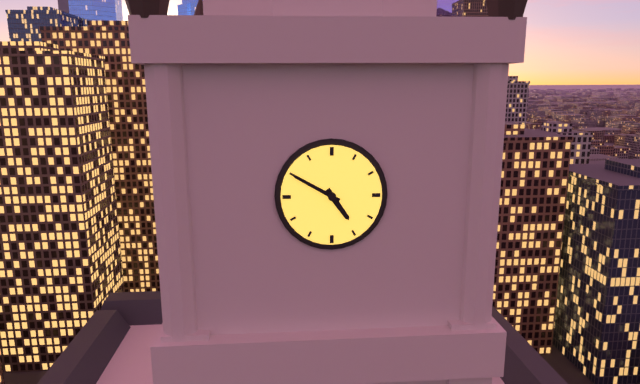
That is 4,50
